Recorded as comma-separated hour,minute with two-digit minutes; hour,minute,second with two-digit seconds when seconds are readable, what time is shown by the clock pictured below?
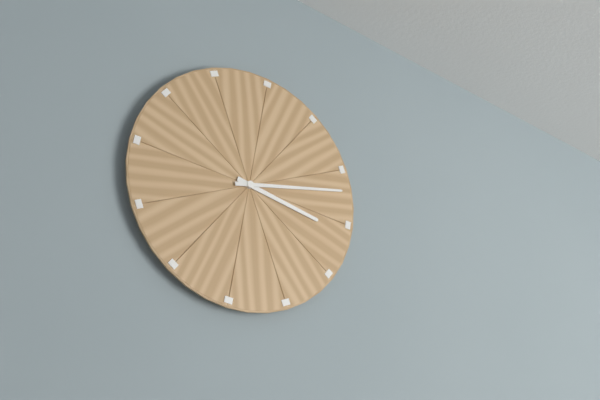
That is 3,12
